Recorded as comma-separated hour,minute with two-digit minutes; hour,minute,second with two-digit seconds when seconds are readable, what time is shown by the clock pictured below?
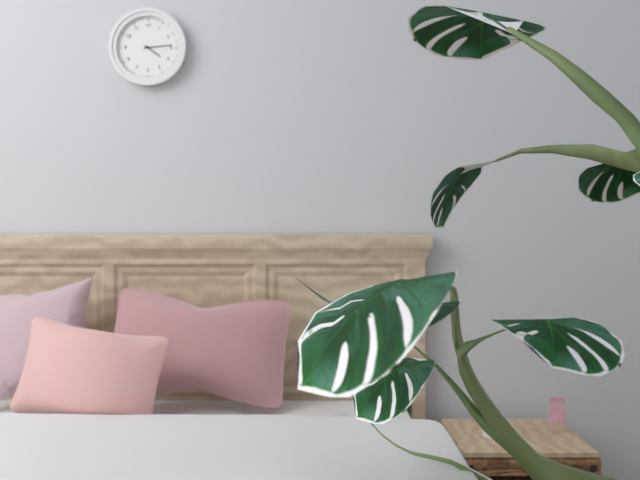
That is 4,14
